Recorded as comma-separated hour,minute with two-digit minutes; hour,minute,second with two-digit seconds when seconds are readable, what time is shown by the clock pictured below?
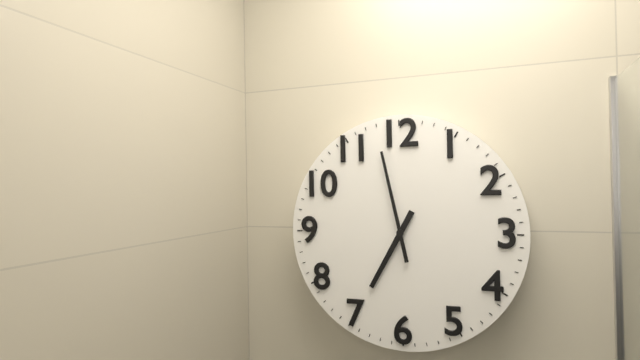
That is 6,58
